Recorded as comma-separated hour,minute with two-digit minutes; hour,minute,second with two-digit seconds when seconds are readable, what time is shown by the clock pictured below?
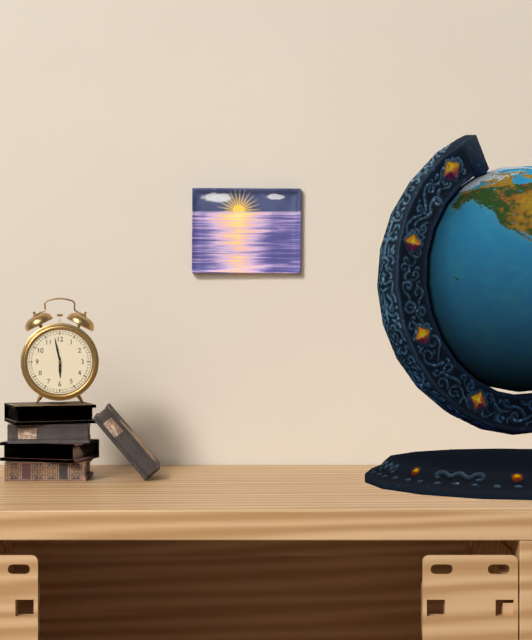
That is 5,58
